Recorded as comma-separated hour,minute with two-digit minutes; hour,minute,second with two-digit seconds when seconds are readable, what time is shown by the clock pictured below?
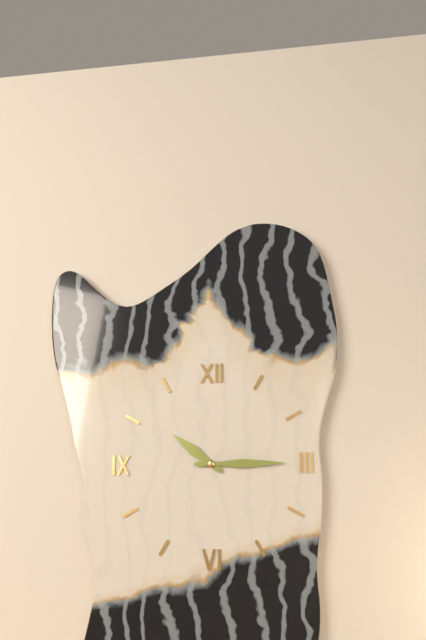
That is 10,15
